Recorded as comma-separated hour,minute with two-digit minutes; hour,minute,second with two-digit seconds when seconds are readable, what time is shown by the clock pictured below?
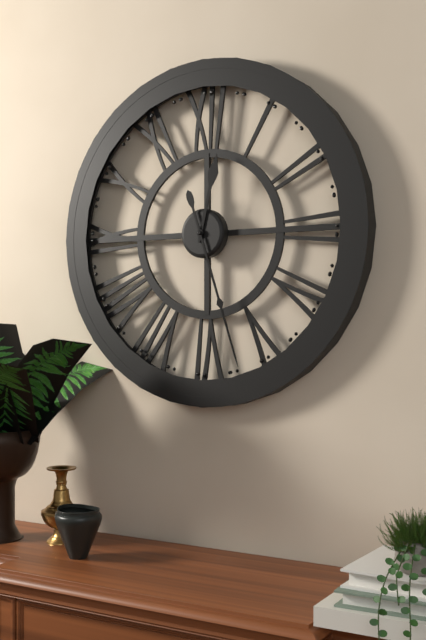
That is 12,27
